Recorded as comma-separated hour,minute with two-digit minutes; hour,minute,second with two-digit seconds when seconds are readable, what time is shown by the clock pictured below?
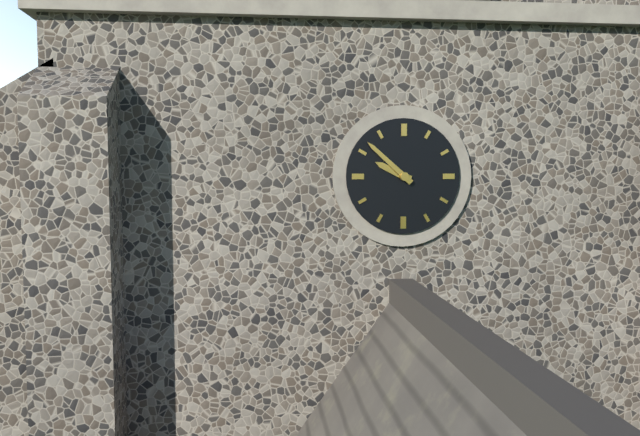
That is 9,52
